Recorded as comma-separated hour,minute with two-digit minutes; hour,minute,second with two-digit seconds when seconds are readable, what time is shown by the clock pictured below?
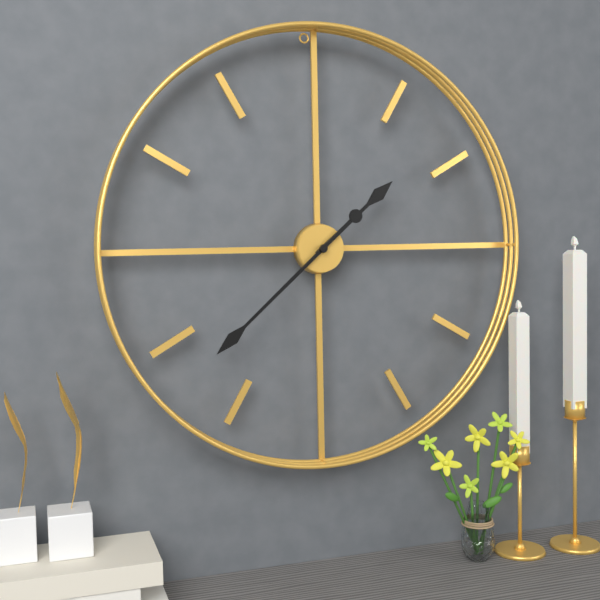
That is 1,38
